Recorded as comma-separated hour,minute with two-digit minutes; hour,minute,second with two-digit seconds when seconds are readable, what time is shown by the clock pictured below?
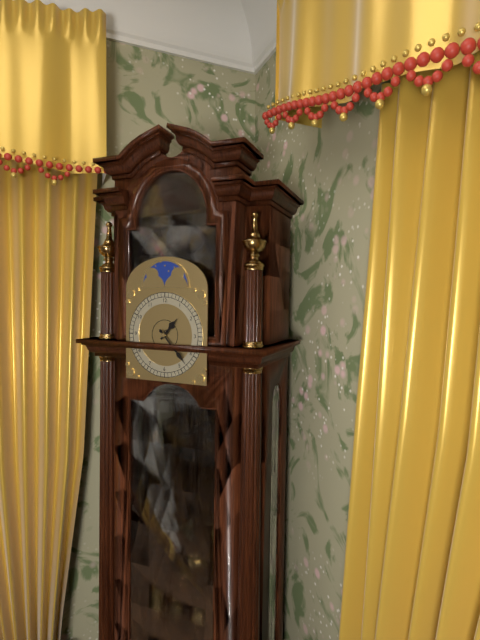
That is 1,23
